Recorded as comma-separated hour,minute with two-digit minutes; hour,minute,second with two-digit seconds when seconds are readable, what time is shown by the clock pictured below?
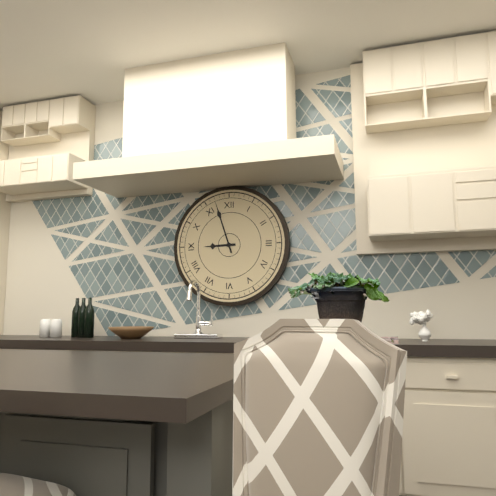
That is 8,57
